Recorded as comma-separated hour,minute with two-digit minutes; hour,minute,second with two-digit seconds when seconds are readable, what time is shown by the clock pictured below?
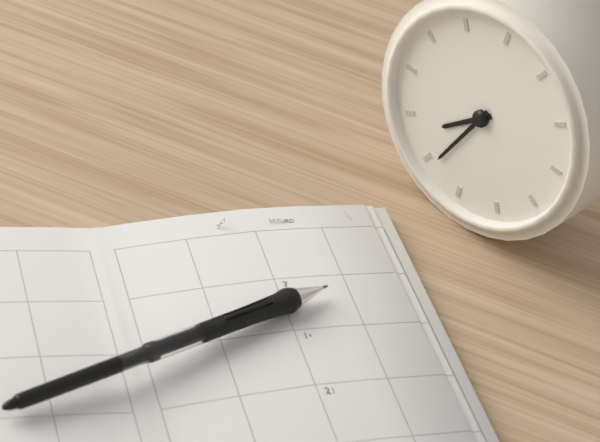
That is 7,34
